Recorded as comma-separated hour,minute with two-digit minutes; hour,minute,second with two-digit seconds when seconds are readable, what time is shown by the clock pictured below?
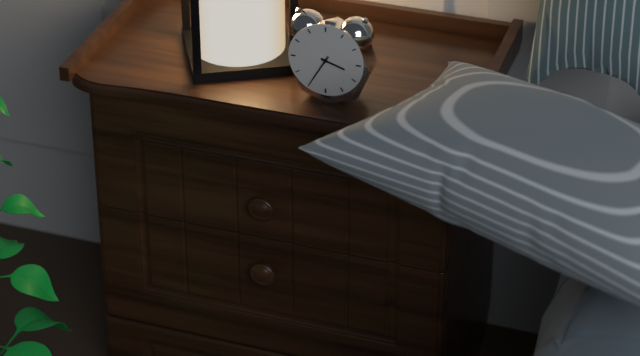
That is 3,35
